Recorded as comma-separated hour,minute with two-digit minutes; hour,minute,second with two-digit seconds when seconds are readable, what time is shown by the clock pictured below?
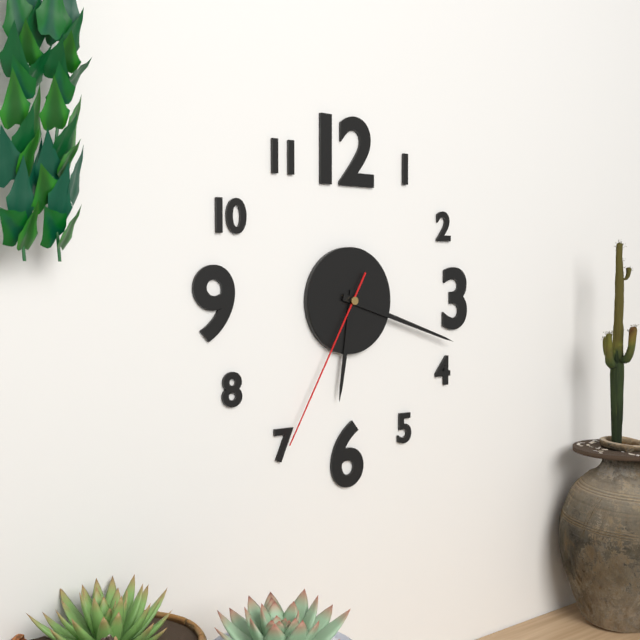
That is 6,18,35
